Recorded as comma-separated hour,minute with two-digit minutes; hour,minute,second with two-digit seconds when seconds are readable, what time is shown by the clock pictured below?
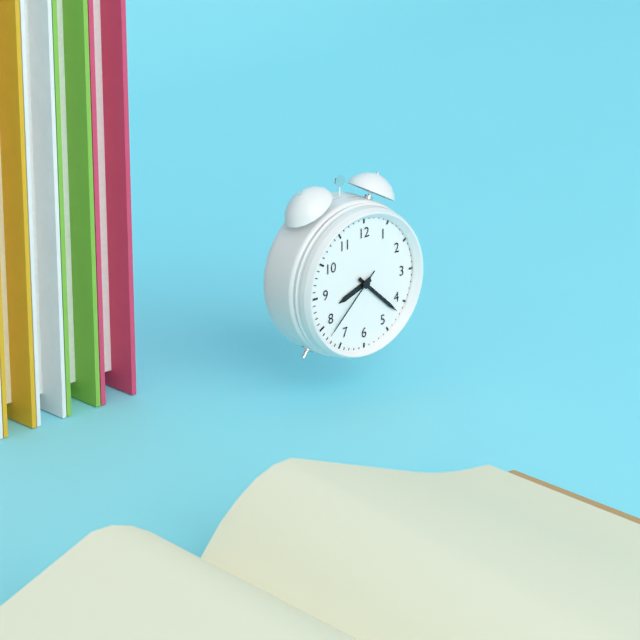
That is 8,22,38
